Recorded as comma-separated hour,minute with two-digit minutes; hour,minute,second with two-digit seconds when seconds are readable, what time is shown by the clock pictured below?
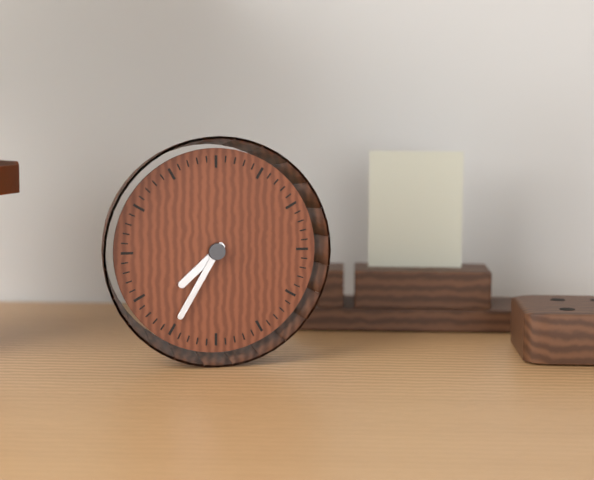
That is 7,35
